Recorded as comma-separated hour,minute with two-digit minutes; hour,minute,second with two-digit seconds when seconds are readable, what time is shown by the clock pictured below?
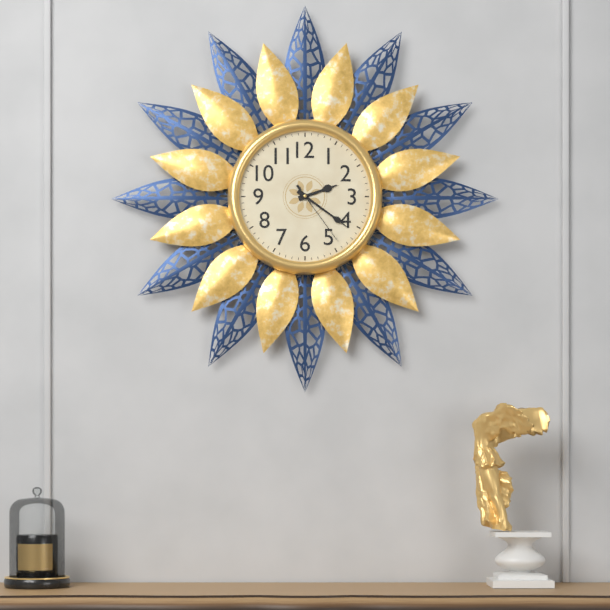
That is 2,21,24
